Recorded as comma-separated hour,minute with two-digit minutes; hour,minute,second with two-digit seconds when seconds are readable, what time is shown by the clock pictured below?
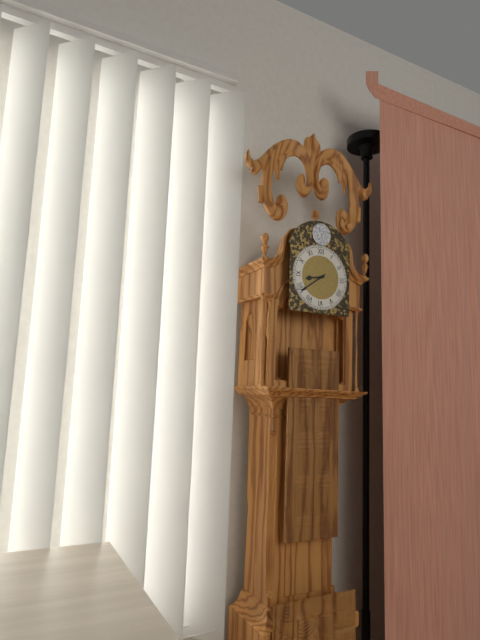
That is 8,39
